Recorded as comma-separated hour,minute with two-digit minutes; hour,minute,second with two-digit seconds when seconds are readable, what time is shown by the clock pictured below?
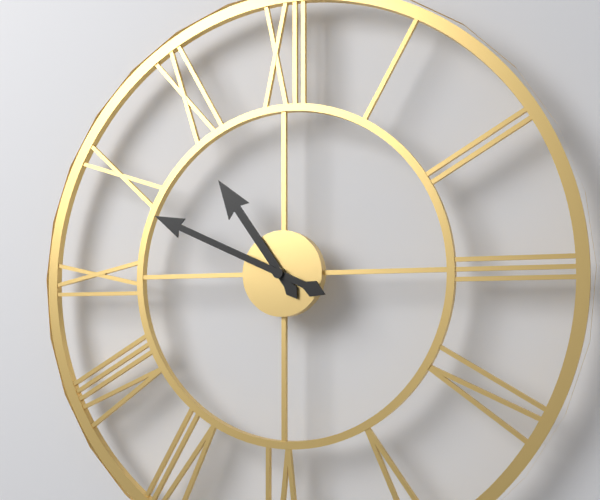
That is 10,49
